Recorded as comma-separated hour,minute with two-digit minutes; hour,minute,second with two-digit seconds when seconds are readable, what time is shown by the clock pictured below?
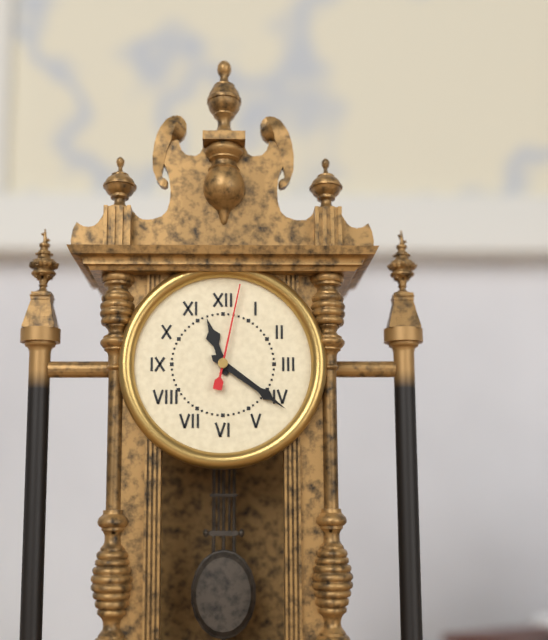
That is 11,21,02
